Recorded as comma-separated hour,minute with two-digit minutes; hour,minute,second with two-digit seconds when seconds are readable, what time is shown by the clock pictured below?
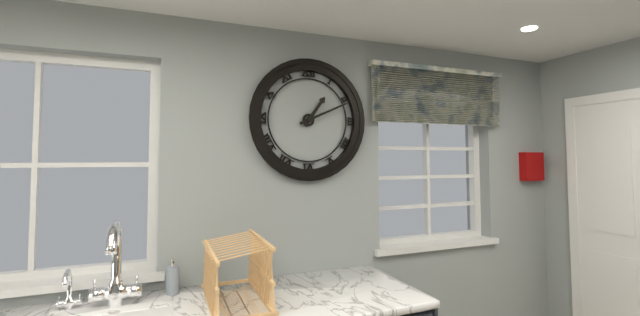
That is 1,11
